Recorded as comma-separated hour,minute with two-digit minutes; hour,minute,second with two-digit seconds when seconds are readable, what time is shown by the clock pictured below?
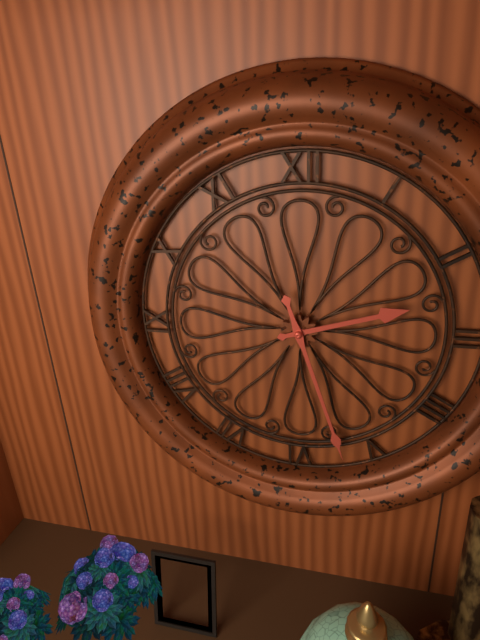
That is 2,27
